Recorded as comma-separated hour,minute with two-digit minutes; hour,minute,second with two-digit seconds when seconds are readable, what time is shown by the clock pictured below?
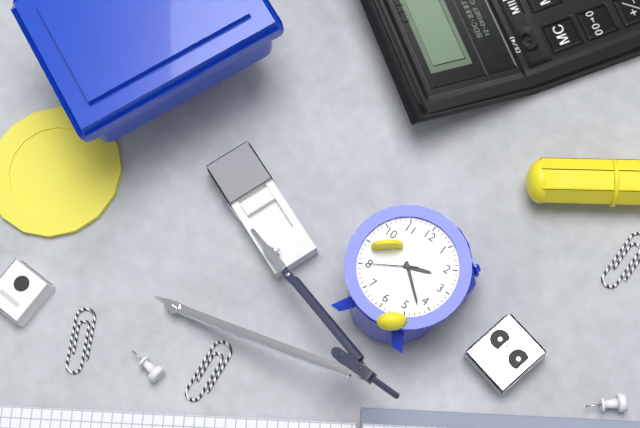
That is 2,22,40
